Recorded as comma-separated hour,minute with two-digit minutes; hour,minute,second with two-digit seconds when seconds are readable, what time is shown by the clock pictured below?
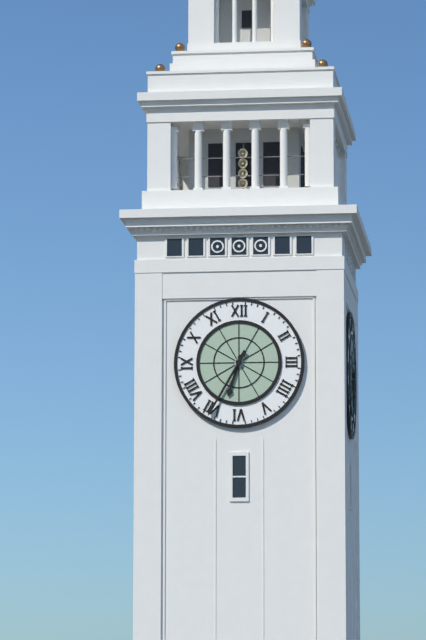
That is 6,35
